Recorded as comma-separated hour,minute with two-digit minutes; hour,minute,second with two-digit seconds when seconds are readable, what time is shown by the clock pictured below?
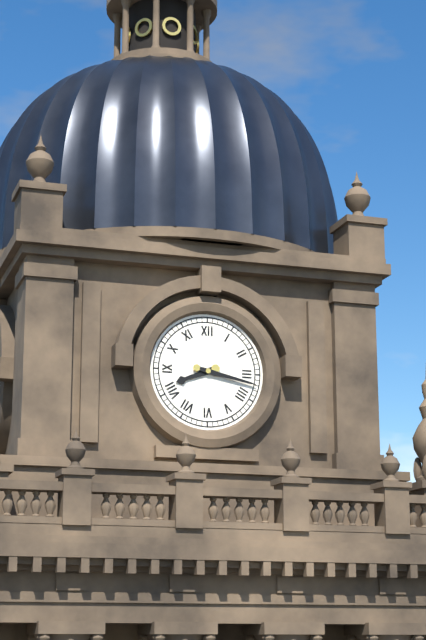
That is 8,17
